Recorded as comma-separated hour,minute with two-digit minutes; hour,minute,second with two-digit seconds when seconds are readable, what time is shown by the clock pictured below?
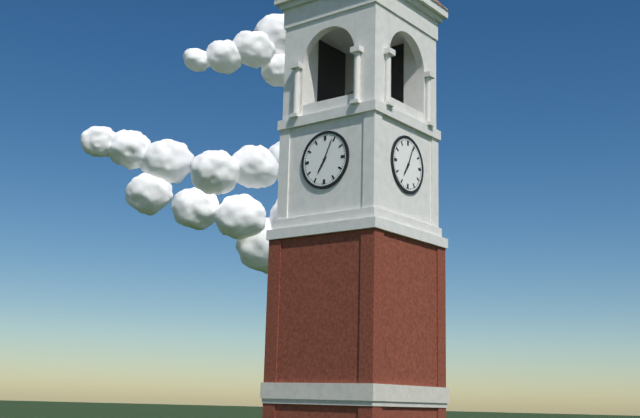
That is 7,04
